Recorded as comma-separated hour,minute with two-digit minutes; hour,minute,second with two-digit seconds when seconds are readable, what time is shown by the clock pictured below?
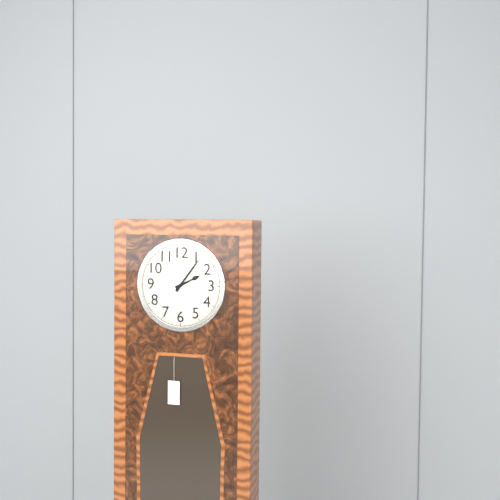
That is 2,06
